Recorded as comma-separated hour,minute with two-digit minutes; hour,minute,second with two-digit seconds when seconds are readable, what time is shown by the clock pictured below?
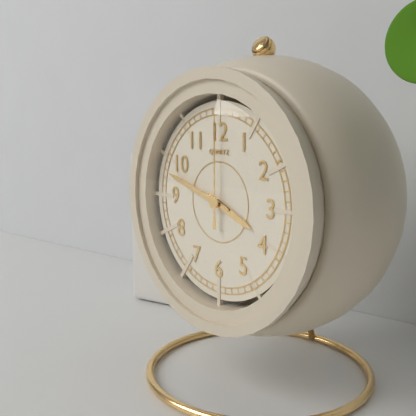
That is 3,48,00
